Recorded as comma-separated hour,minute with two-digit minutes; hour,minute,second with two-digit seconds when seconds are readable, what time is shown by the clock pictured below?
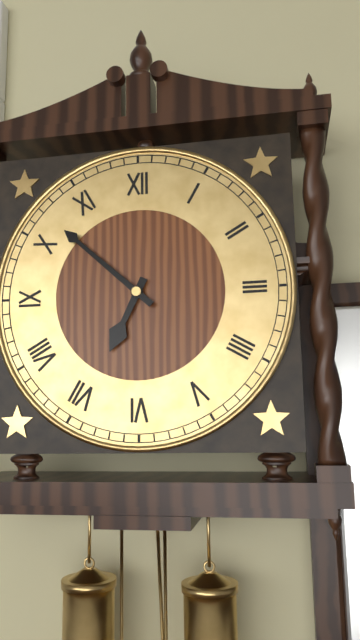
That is 6,52
